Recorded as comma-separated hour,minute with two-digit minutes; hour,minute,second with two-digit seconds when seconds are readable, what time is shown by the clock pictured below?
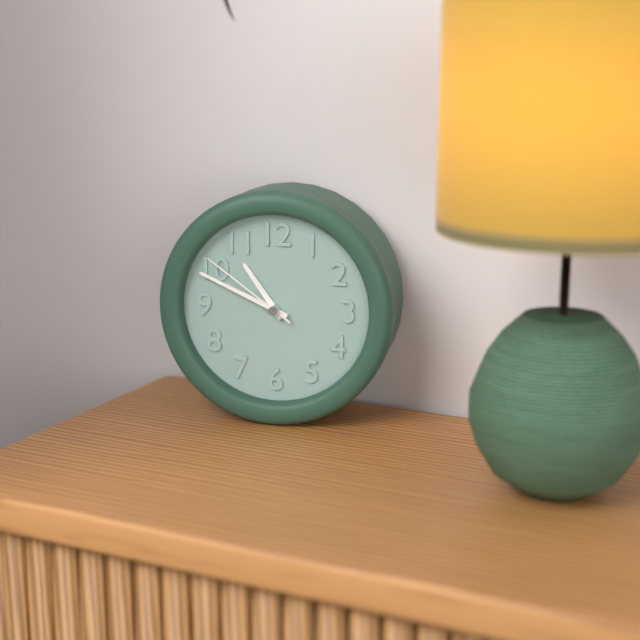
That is 10,49,51
